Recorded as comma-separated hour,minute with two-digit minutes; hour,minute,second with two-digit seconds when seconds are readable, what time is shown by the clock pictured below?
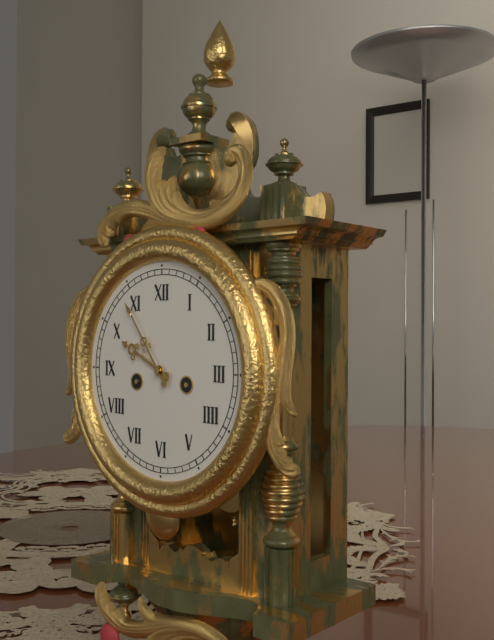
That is 9,54
